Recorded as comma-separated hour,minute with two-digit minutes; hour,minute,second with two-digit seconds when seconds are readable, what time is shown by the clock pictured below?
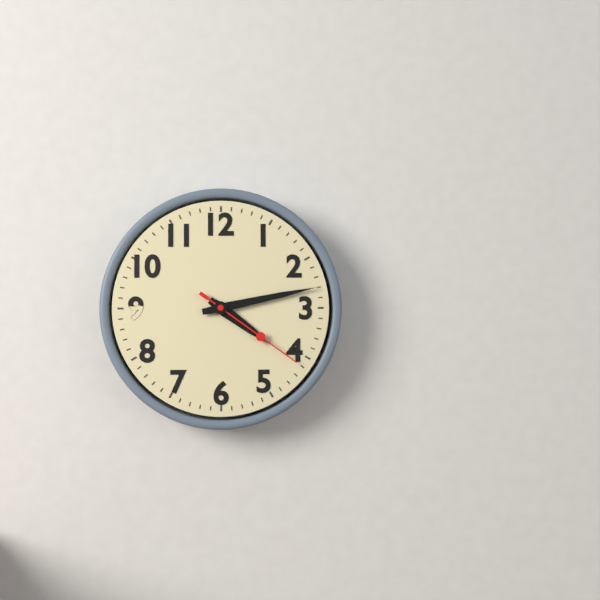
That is 4,13,21
